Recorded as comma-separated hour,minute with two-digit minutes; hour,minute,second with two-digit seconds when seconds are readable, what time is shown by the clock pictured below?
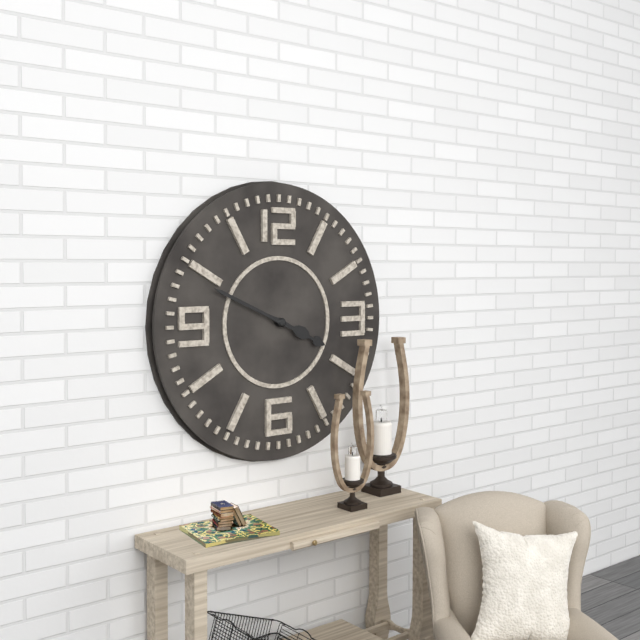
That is 3,49
